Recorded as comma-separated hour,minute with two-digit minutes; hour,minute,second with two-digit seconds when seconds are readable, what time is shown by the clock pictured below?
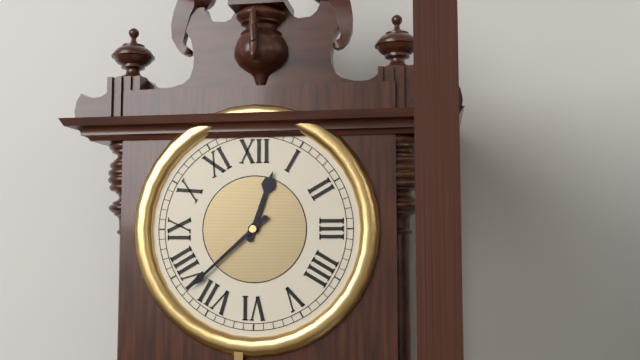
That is 12,38
